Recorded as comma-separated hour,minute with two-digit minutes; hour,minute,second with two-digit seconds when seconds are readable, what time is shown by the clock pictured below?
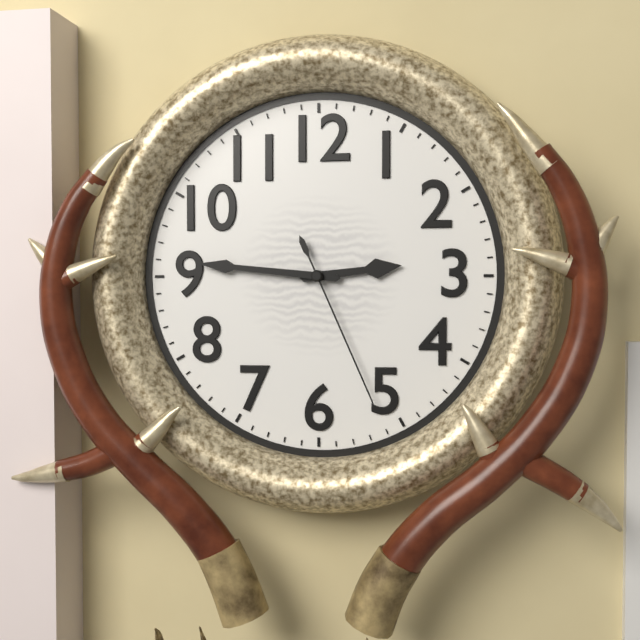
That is 2,46,26
